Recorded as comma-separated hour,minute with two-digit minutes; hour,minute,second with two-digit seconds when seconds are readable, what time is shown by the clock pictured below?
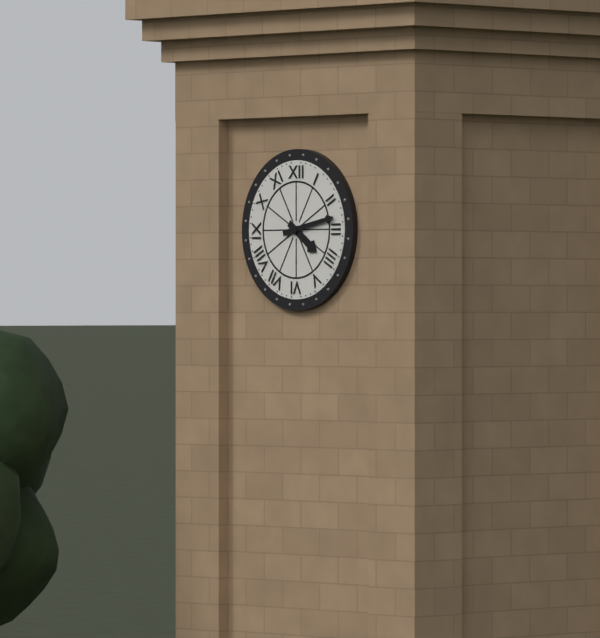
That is 4,13
